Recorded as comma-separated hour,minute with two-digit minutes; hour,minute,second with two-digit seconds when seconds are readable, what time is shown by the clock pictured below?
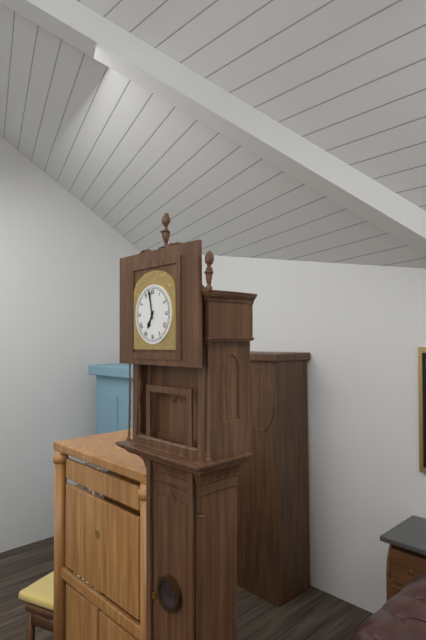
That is 6,58
